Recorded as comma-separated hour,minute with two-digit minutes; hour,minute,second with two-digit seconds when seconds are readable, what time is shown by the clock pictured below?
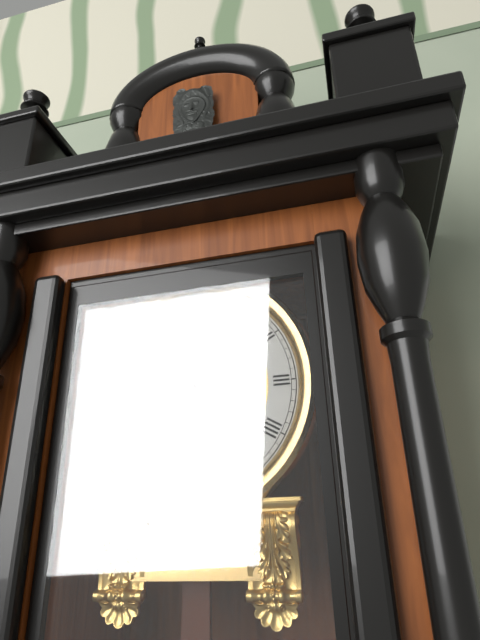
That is 10,04
